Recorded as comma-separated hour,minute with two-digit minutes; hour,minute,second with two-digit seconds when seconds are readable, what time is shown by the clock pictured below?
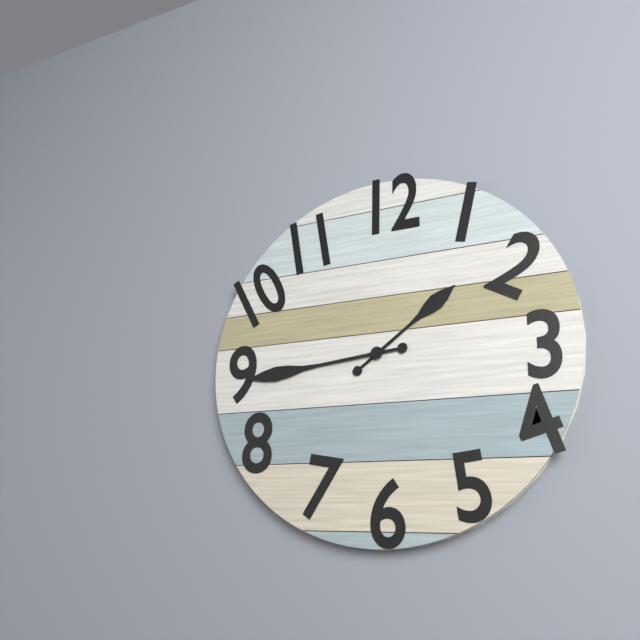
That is 1,44
